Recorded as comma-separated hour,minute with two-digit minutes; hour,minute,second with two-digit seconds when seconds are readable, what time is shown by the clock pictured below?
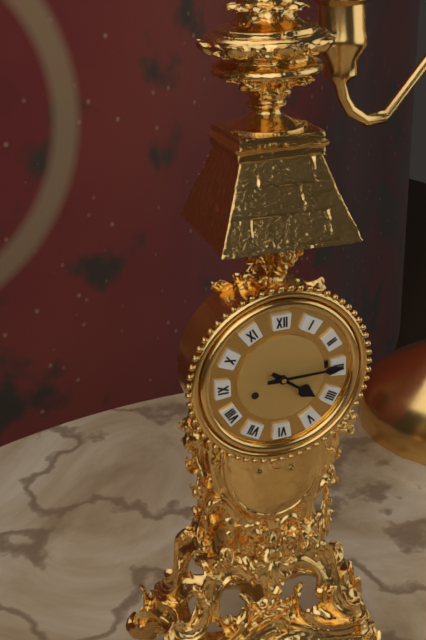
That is 4,15
